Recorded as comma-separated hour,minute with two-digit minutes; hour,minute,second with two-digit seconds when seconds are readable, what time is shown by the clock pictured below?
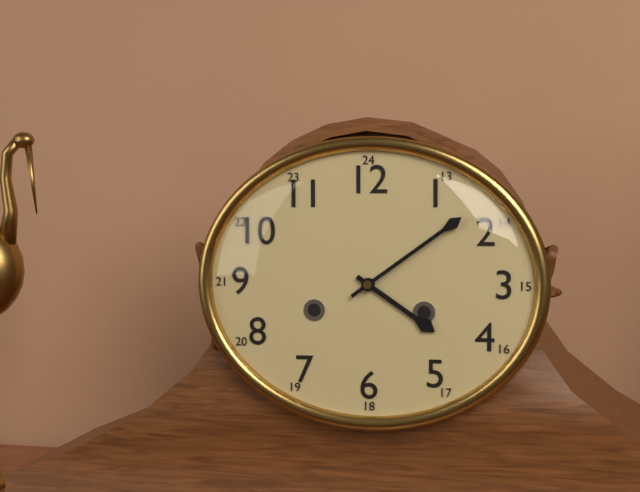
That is 4,09
